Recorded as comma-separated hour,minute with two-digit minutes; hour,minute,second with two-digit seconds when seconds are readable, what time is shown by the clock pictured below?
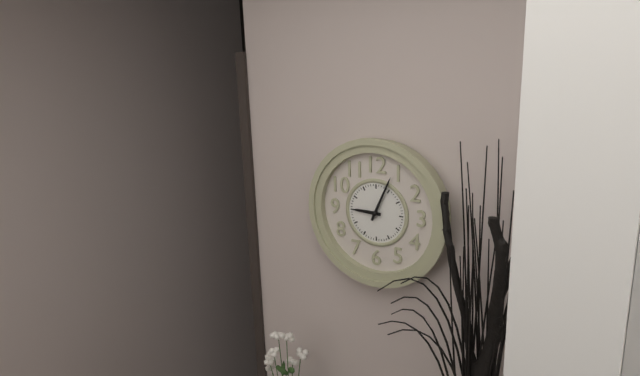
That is 9,04
